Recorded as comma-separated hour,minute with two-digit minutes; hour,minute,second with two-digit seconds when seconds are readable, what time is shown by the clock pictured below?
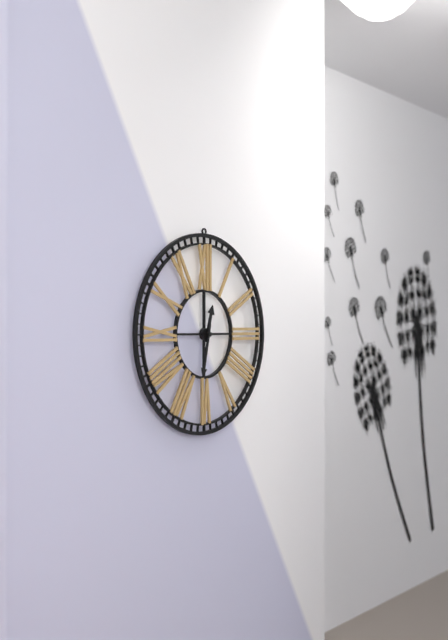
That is 12,32
